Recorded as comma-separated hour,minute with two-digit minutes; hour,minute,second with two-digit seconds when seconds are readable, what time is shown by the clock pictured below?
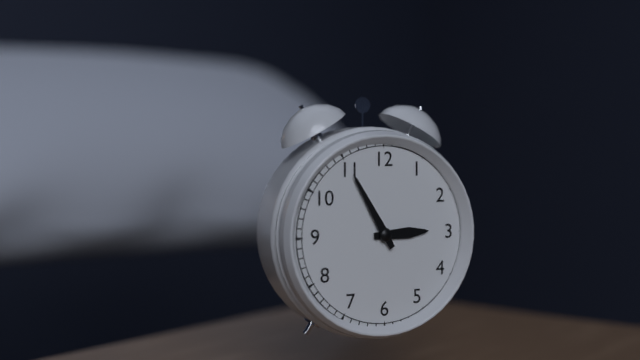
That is 2,55
